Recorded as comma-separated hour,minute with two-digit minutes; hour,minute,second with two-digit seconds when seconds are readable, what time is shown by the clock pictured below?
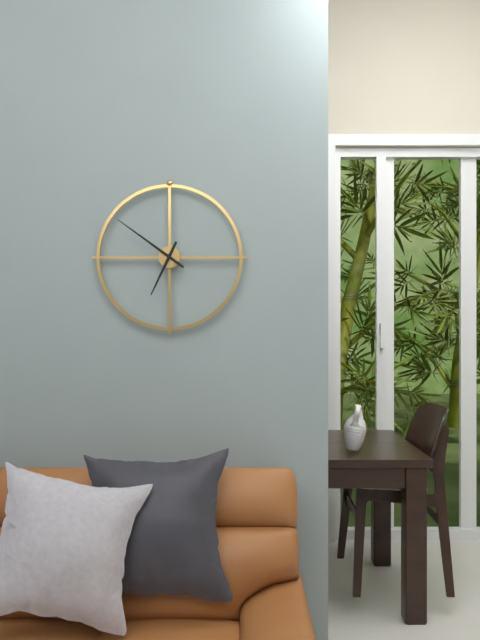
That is 6,51
